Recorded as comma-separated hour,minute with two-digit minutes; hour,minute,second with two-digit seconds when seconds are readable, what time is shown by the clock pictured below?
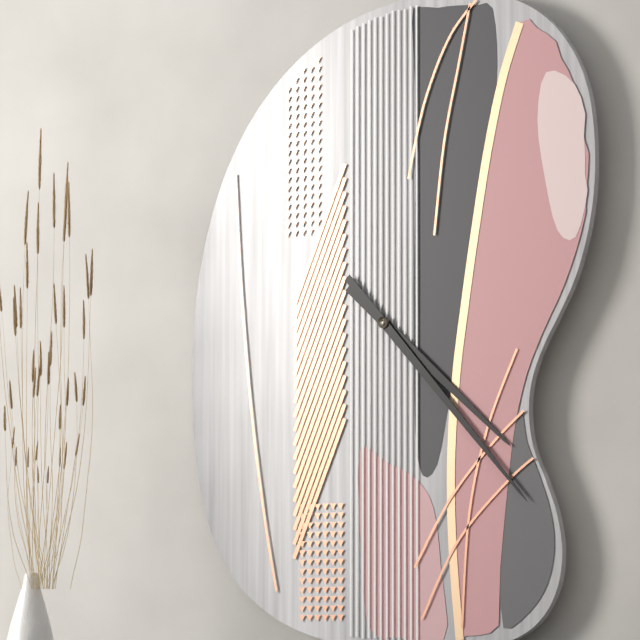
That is 4,23
